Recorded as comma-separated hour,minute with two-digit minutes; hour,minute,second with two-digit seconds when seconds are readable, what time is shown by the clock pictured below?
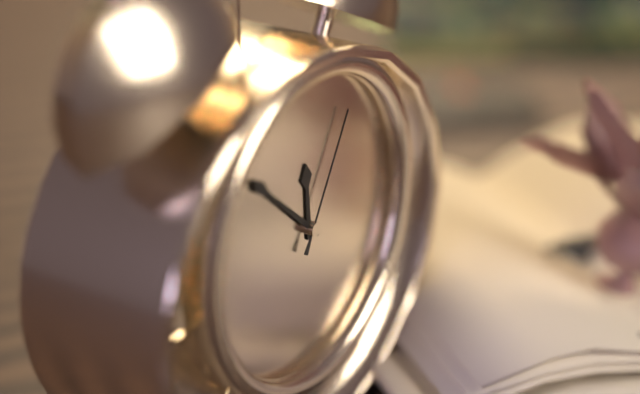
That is 11,52,05
